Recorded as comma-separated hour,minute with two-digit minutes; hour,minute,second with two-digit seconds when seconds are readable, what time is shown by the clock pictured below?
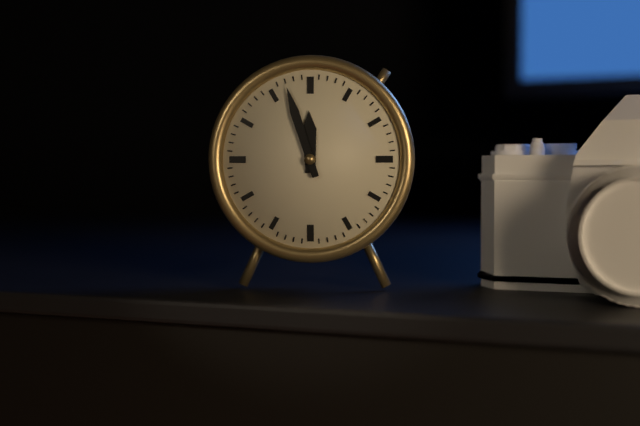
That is 11,57
